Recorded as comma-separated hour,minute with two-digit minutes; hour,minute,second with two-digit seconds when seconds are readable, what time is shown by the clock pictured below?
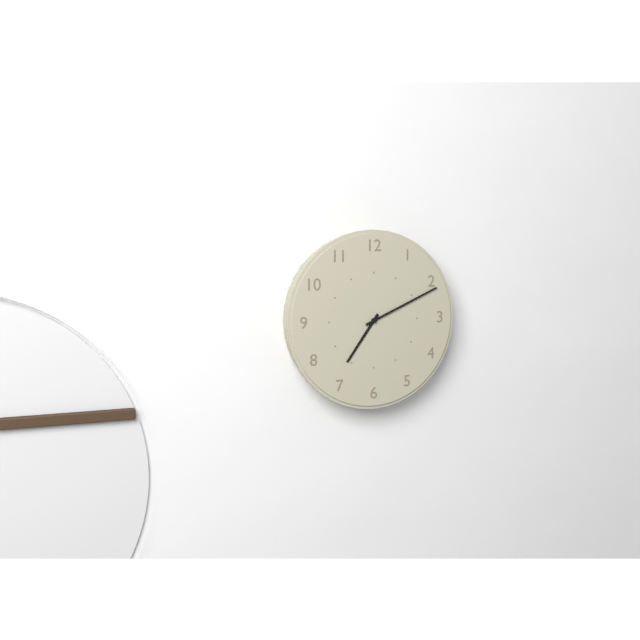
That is 7,11
